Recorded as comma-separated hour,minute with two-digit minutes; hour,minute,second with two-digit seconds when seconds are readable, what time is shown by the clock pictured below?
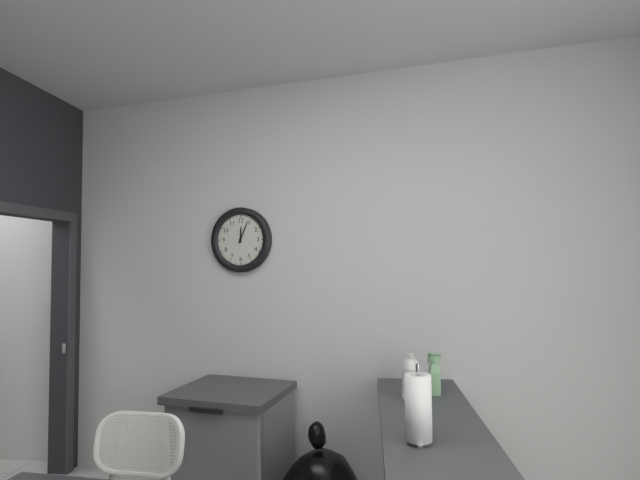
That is 12,04
